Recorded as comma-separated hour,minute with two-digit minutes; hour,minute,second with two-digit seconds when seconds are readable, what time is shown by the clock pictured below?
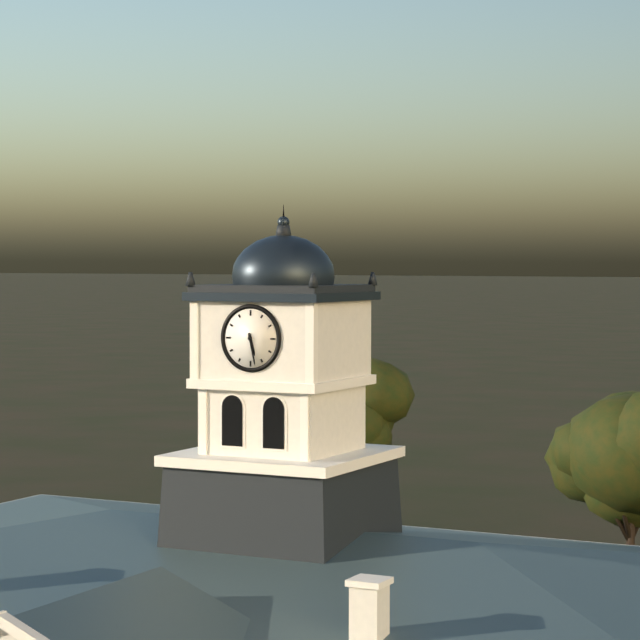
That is 5,28
